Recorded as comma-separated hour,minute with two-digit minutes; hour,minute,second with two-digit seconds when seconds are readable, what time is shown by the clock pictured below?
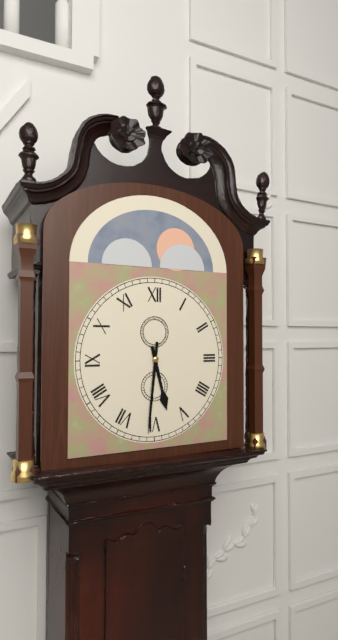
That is 5,31
